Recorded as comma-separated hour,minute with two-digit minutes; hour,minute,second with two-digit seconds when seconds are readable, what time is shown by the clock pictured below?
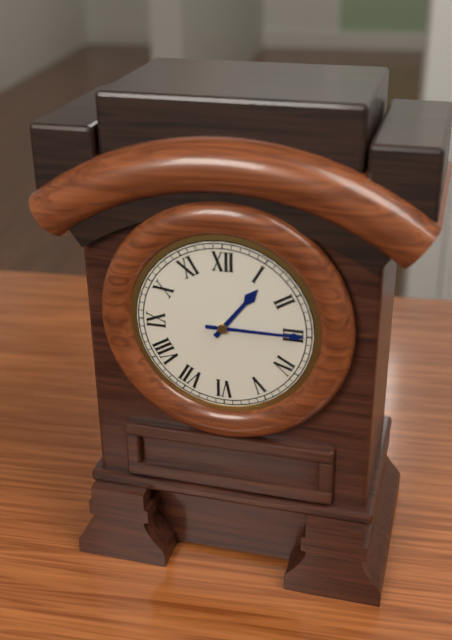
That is 1,15
